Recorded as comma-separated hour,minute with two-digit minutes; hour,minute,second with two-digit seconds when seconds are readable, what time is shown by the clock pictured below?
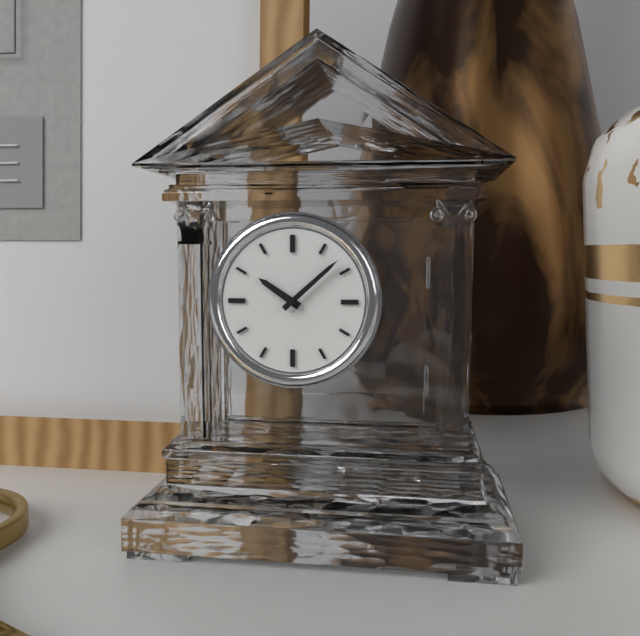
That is 10,08
